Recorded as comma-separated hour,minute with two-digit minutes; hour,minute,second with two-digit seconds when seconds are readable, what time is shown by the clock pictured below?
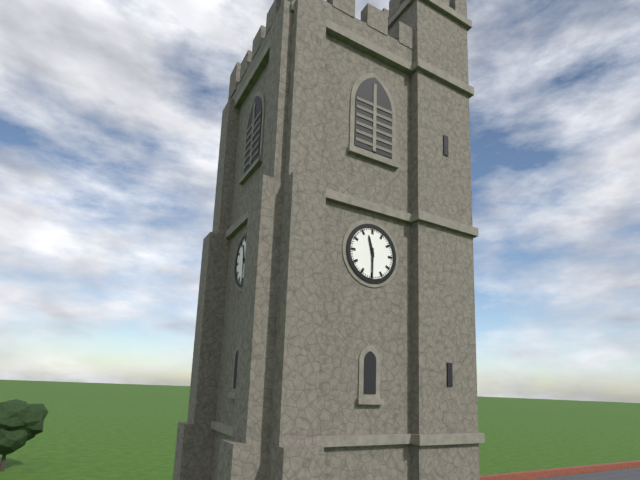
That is 11,30
